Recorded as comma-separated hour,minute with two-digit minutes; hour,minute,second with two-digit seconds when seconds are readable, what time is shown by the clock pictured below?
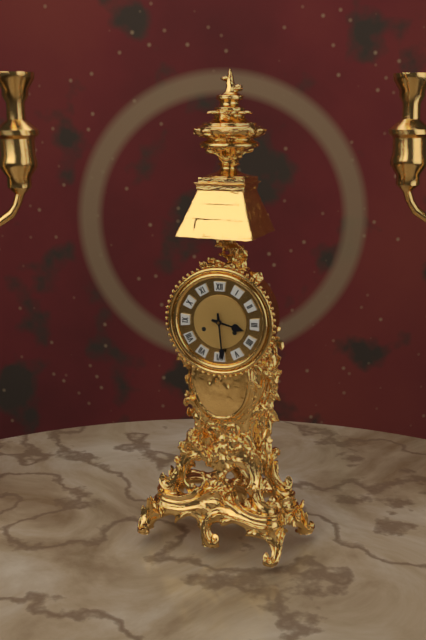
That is 3,29
